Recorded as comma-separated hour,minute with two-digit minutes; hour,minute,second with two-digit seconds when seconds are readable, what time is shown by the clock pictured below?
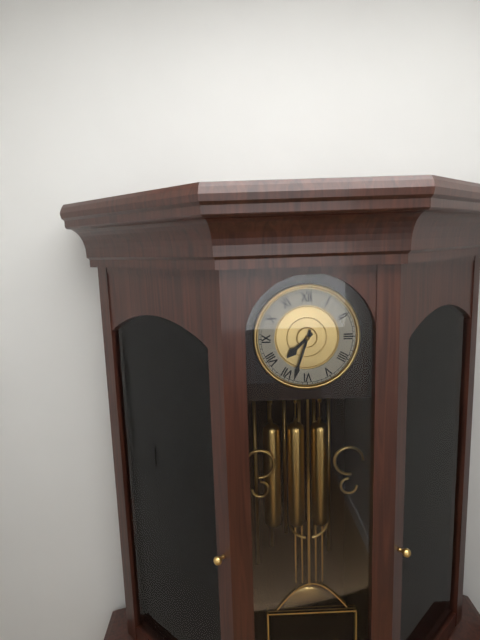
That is 7,33
